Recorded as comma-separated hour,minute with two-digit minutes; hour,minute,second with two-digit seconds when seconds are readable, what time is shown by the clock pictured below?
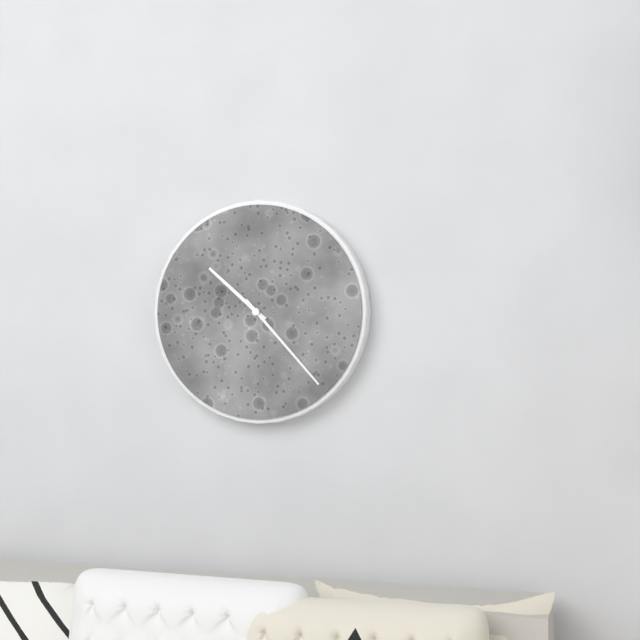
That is 10,23
